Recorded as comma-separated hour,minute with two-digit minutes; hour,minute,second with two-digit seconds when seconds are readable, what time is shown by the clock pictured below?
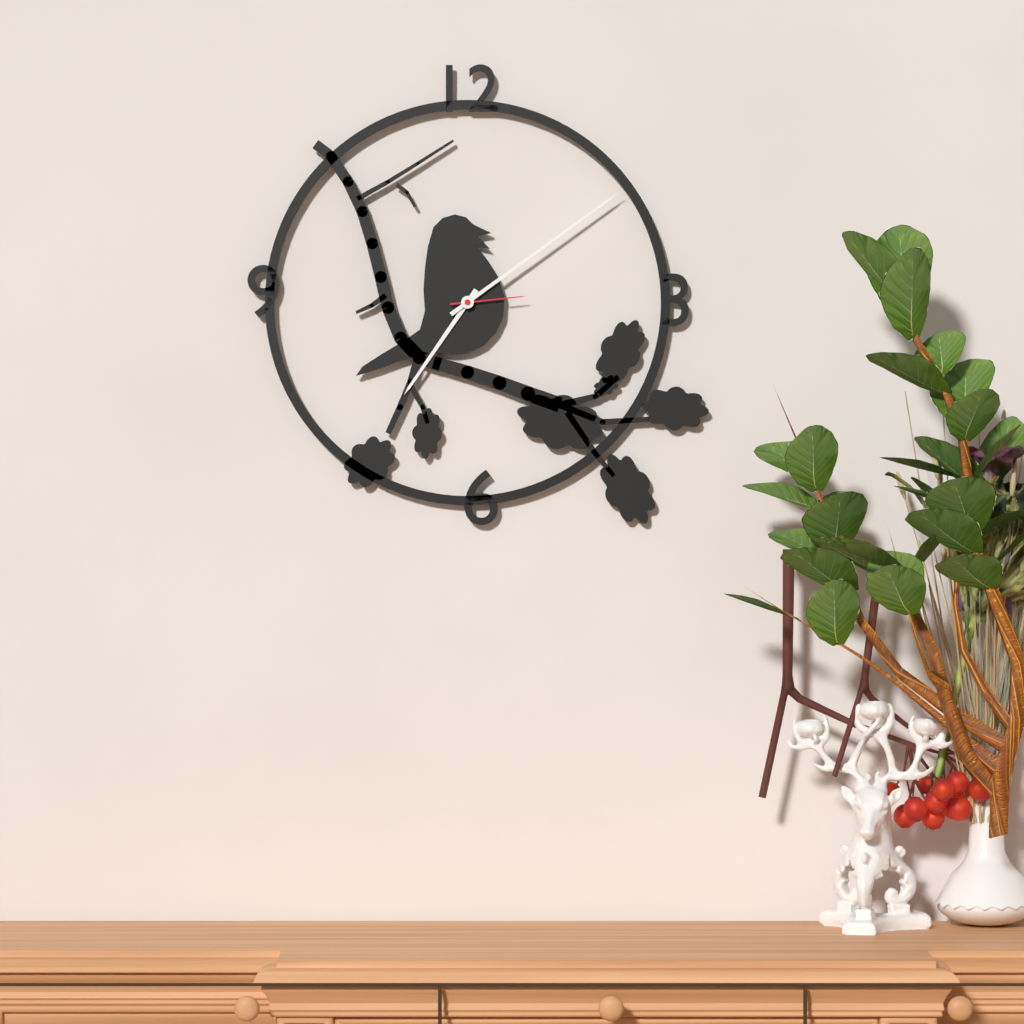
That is 7,09,14
